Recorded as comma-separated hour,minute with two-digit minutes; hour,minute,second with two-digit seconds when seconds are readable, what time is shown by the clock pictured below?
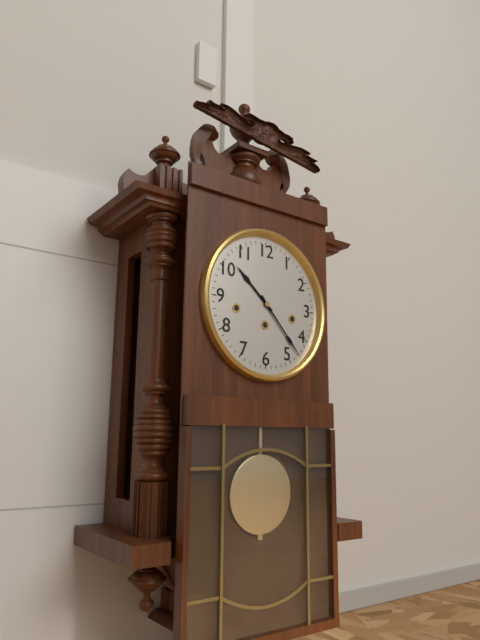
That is 10,23
